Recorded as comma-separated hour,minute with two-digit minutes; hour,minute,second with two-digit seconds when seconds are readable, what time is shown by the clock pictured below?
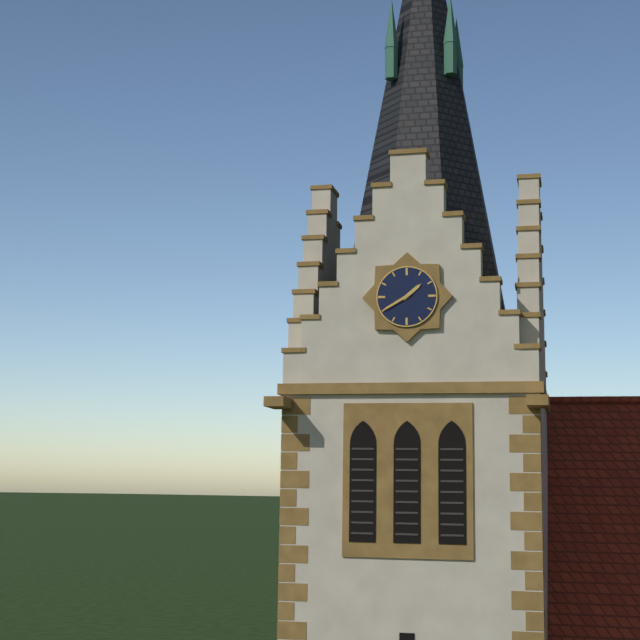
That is 1,40
